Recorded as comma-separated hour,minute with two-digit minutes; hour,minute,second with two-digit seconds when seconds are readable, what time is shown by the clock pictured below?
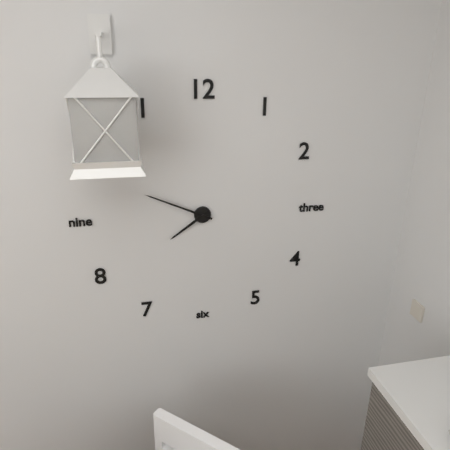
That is 7,49
